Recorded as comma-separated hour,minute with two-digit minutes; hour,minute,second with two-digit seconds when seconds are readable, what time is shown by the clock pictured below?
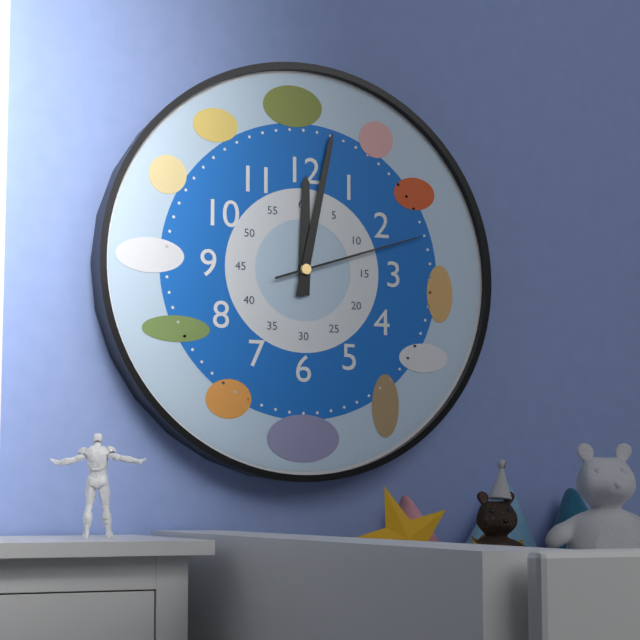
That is 12,02,12
